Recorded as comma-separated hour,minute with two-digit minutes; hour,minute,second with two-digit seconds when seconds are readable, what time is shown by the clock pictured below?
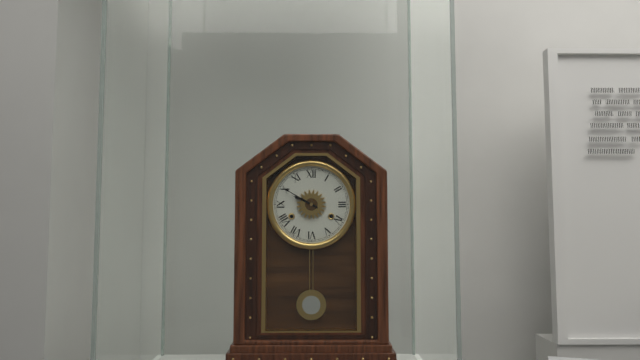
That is 9,50
